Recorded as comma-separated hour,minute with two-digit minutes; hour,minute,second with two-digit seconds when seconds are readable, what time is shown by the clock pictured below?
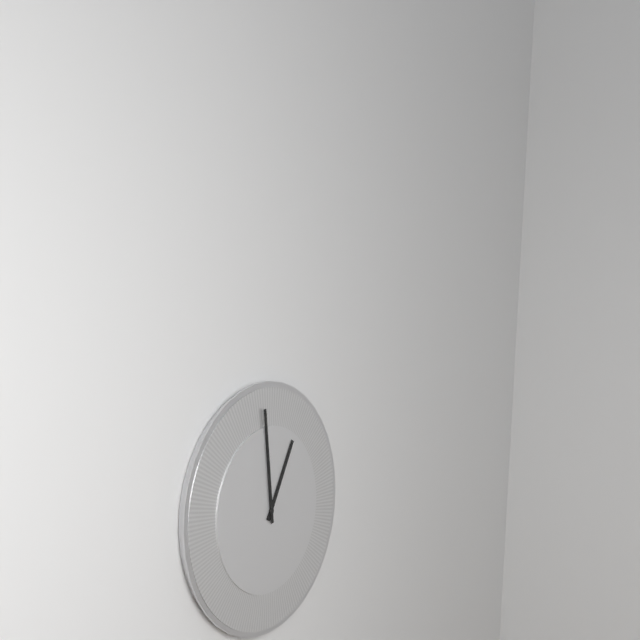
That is 12,59
